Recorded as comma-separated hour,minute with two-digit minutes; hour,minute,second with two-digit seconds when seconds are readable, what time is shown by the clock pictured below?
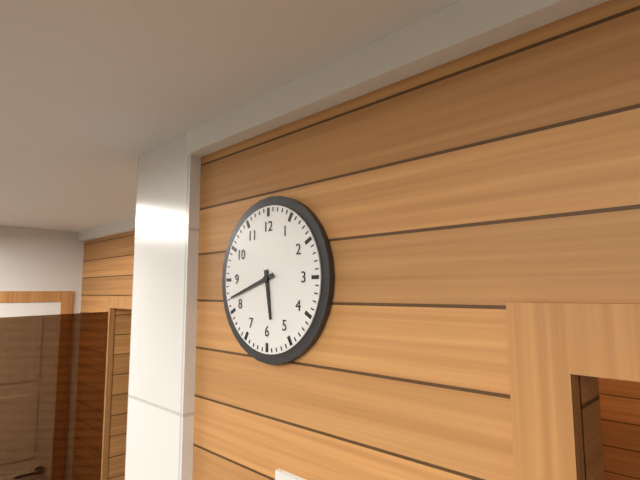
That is 5,42
